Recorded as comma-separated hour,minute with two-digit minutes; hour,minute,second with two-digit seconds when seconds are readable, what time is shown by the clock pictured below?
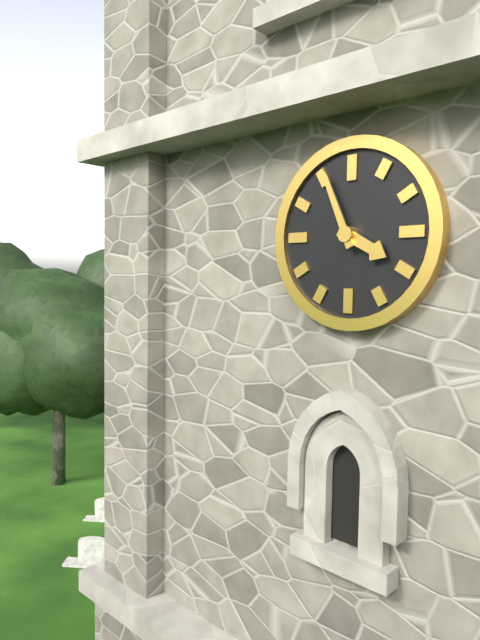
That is 3,56
